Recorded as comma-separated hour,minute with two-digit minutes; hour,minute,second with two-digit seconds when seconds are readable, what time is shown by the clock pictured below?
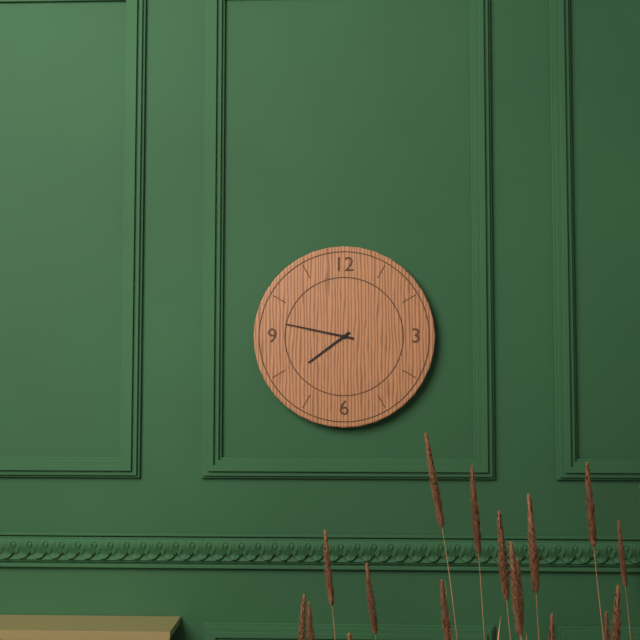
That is 7,47
